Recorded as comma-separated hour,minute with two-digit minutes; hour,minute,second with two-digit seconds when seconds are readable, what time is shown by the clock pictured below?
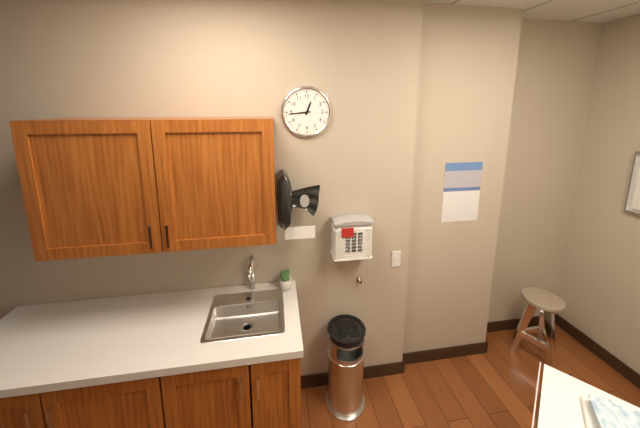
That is 12,44
